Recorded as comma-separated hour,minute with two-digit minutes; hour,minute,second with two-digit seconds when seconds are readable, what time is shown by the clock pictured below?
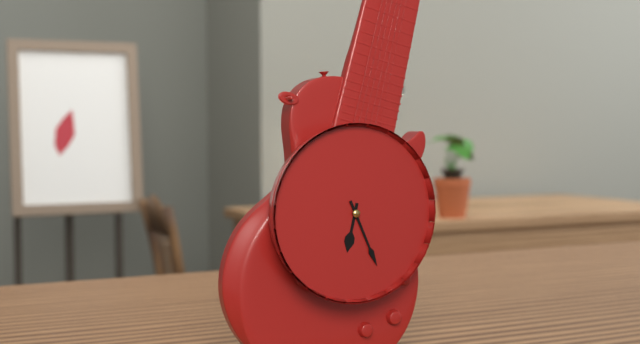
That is 6,26
